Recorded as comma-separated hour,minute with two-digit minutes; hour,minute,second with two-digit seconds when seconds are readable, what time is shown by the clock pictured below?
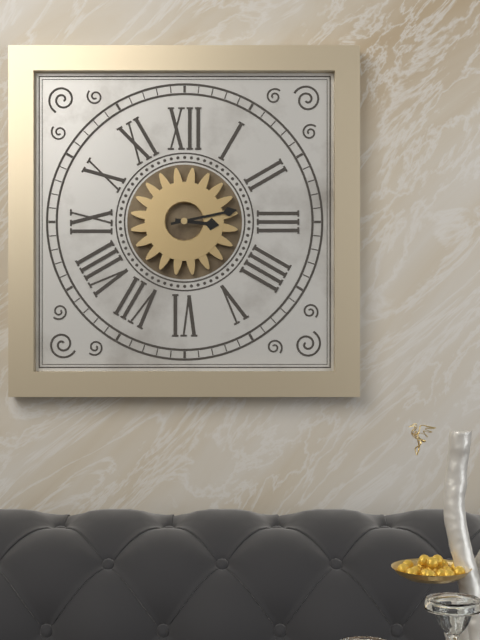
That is 3,13
